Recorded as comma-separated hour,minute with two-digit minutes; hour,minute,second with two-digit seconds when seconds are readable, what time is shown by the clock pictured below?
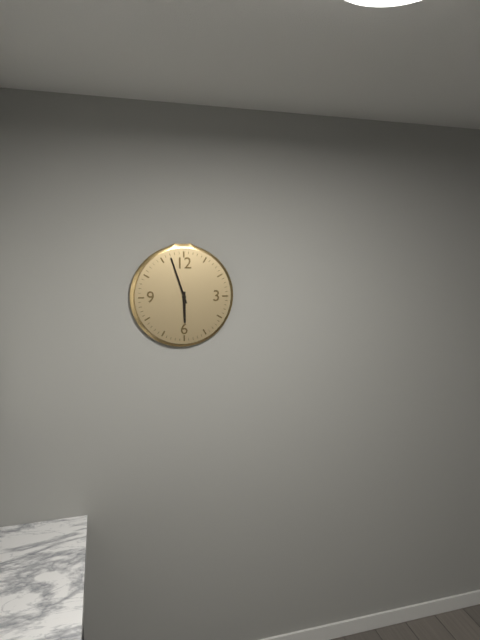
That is 5,57
